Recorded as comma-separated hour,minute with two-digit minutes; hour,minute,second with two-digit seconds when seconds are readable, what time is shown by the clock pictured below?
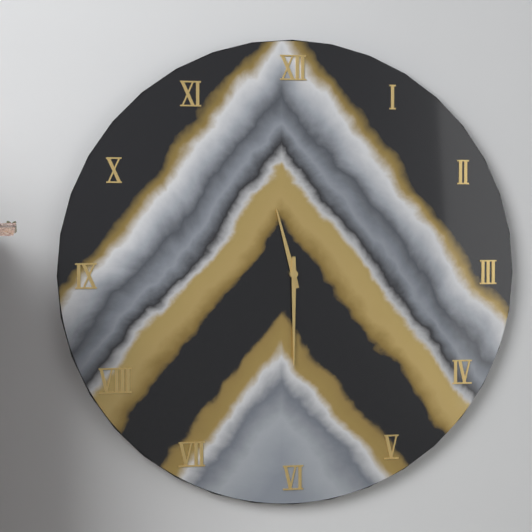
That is 11,30
